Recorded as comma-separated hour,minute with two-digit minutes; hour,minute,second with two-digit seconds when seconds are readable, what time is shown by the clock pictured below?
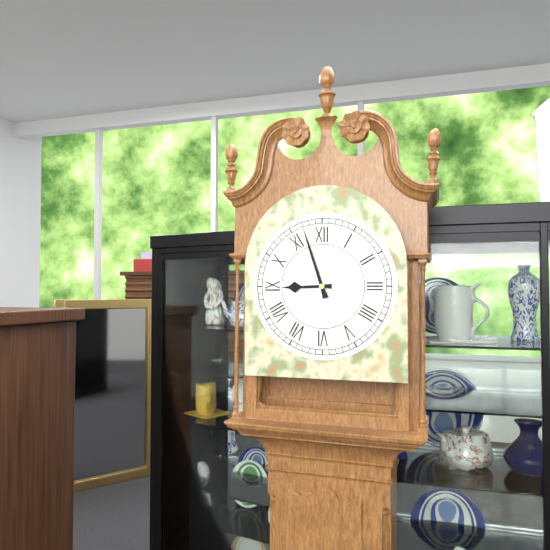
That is 8,57
